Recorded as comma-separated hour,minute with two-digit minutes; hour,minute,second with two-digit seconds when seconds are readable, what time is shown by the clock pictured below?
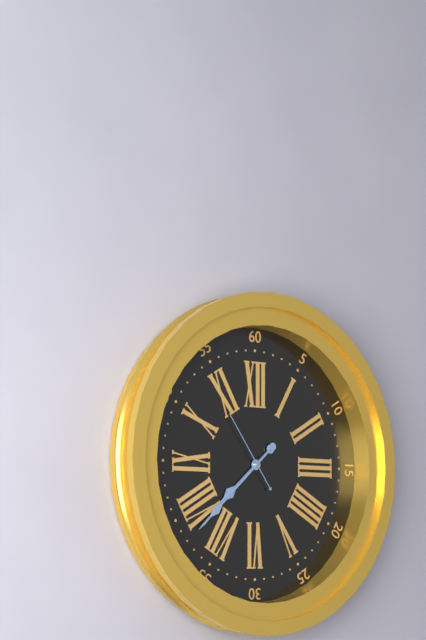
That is 7,38,54
